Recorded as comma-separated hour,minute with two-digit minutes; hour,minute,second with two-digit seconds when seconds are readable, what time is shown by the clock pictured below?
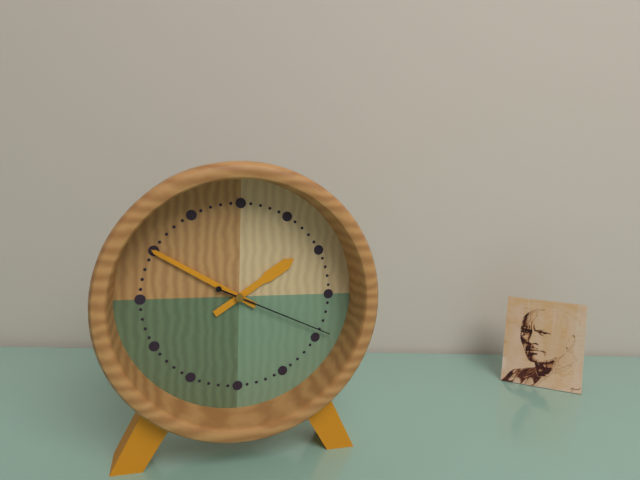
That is 1,50,19
